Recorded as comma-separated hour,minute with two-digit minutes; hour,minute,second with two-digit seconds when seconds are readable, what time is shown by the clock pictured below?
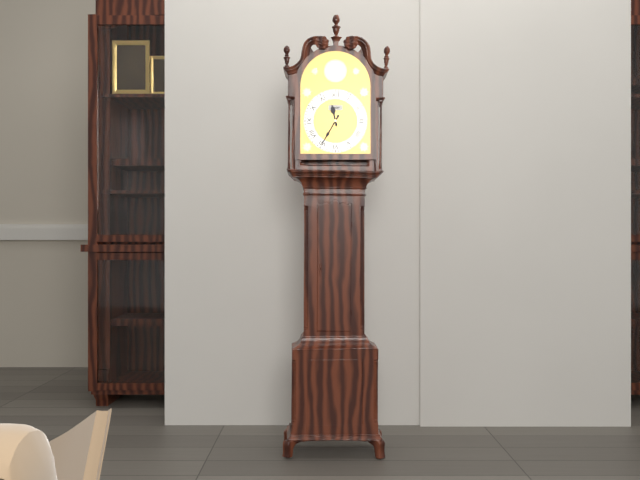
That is 11,35
